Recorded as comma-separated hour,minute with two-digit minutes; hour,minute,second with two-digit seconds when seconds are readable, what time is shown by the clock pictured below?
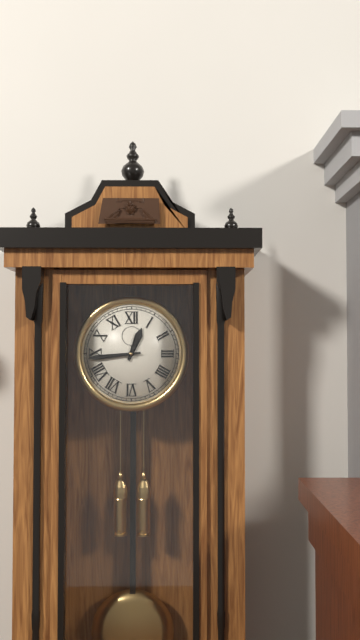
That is 12,44
